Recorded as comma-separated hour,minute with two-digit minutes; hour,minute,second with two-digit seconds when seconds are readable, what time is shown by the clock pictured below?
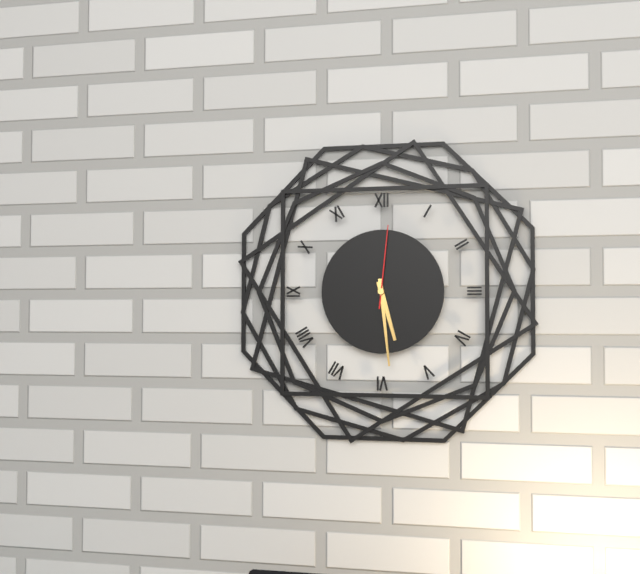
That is 5,29,01
